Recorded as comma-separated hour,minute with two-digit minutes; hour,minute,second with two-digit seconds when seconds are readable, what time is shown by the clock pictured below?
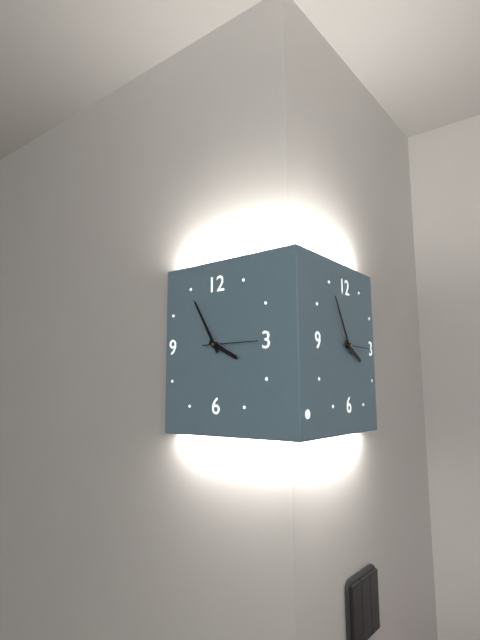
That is 3,55,15
